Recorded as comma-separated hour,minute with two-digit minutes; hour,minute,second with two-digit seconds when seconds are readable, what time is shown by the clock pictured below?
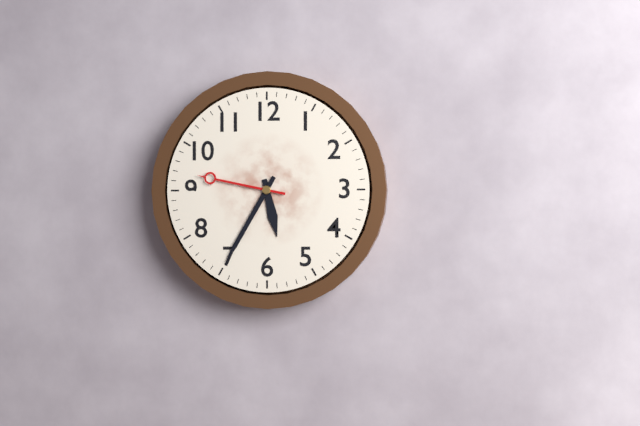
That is 5,35,47
